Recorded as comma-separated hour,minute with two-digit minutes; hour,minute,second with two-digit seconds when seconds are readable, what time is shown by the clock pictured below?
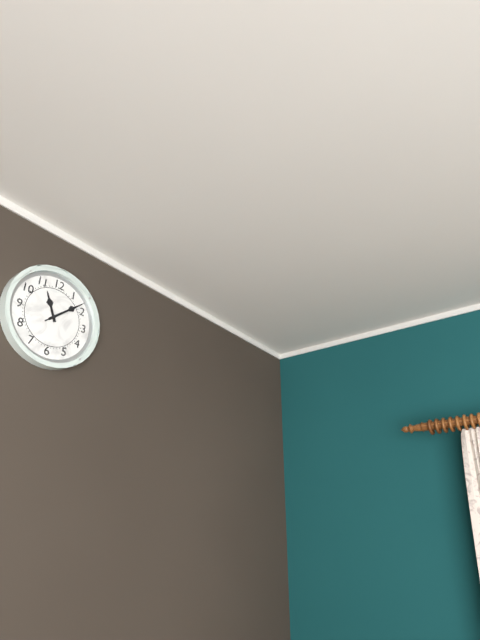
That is 11,08
